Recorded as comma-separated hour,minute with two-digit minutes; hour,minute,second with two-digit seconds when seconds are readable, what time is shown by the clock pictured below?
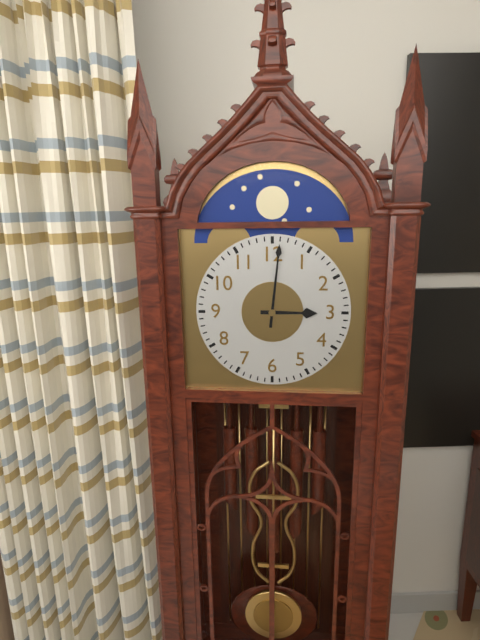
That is 3,01
